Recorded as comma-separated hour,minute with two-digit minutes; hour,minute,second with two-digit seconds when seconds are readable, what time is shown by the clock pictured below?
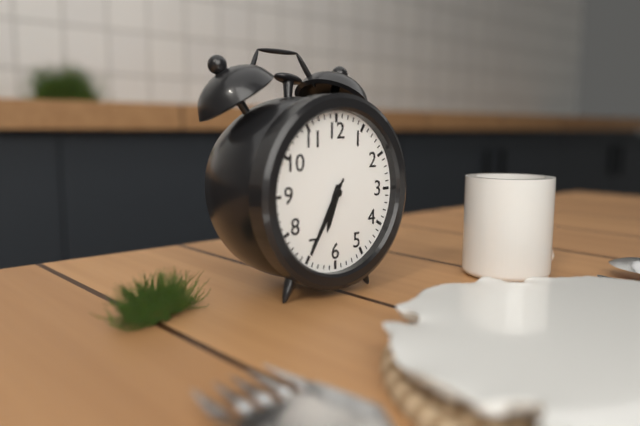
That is 6,35,35
